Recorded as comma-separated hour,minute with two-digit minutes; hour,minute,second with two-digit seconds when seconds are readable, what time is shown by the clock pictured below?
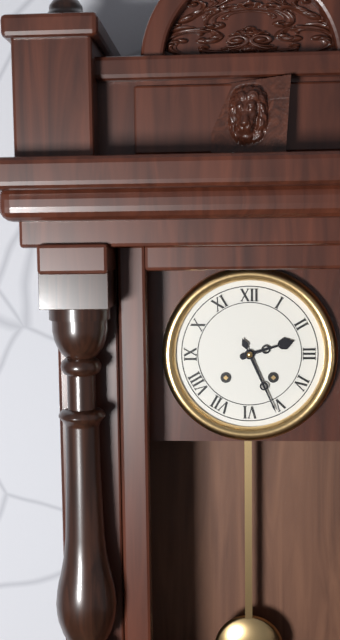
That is 2,26
